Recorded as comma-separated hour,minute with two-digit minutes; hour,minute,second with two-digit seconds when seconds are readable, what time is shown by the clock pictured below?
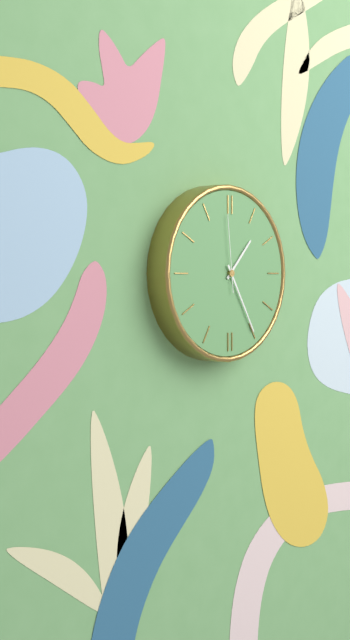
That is 1,25,59
